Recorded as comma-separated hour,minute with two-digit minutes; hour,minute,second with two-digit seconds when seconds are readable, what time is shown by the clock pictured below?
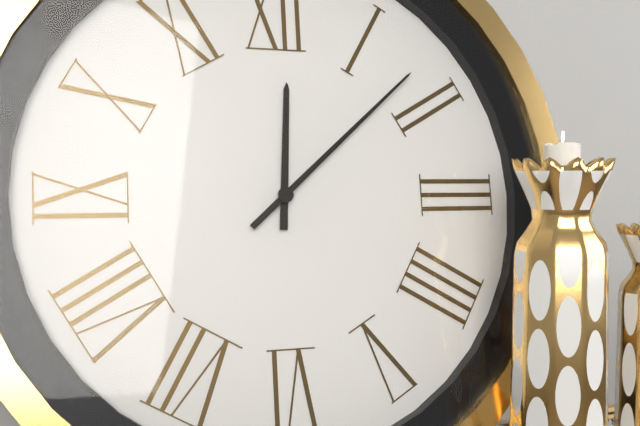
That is 12,08
